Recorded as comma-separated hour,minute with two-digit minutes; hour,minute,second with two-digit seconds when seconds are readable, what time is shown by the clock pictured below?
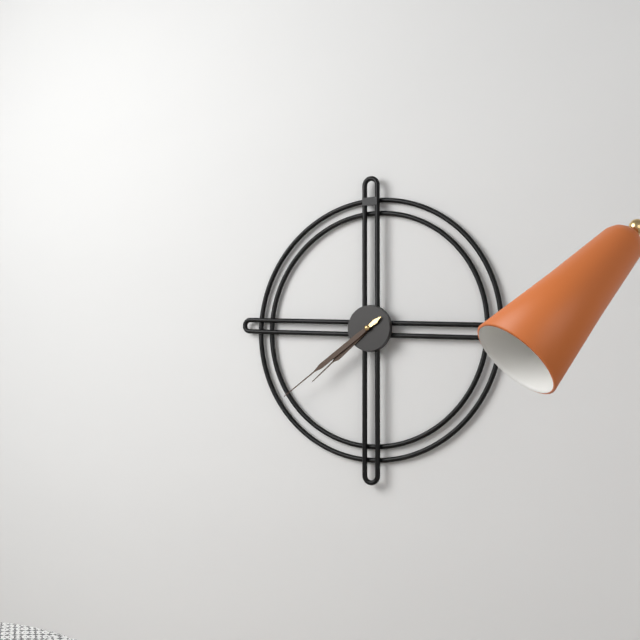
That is 7,39
